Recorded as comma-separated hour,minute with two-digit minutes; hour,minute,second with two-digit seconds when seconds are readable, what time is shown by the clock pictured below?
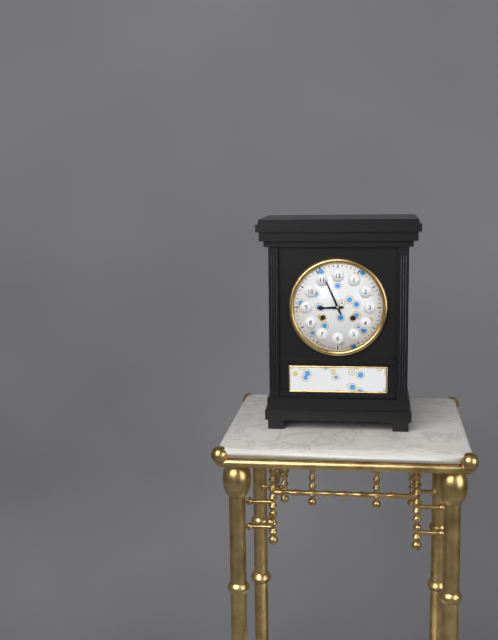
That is 8,56
